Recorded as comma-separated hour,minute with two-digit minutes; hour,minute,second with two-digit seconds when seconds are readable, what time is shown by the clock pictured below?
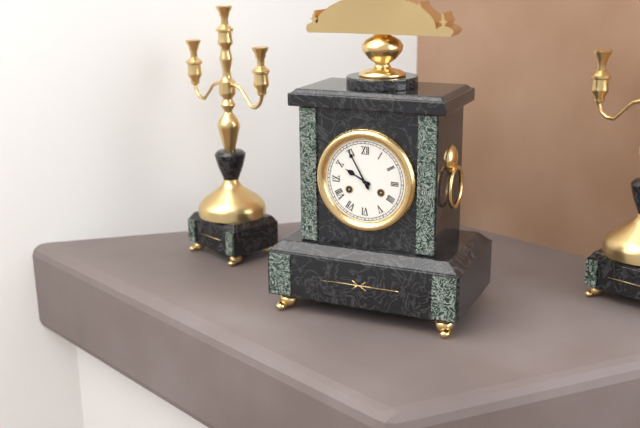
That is 9,55
